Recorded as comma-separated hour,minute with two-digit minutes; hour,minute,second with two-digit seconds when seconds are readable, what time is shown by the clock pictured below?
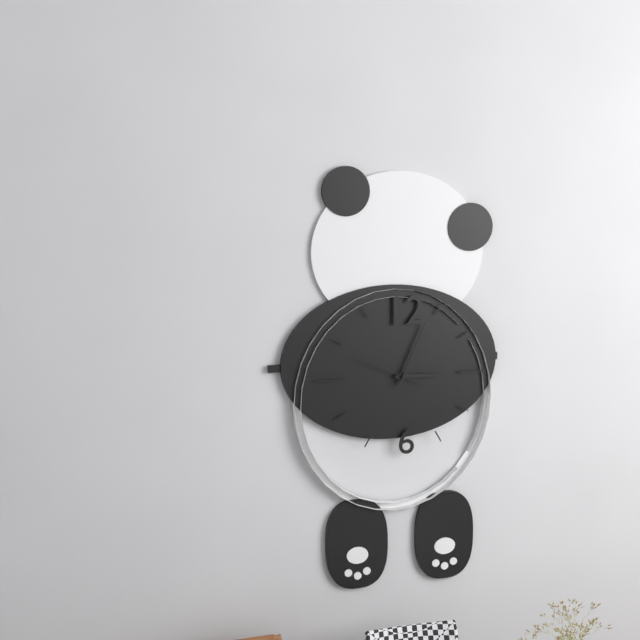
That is 3,04,49
